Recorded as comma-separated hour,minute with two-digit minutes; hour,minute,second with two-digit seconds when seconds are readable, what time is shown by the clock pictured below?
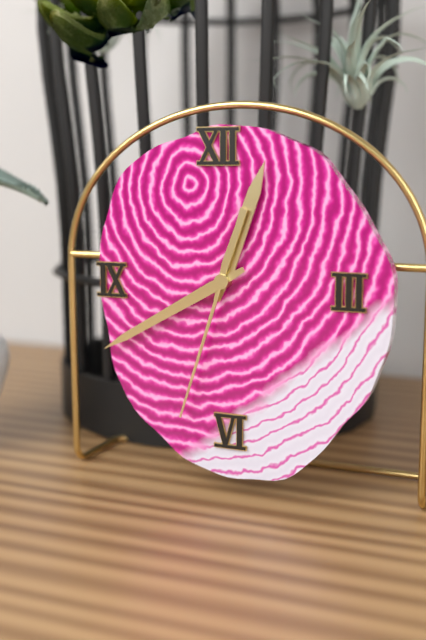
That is 12,40,33
